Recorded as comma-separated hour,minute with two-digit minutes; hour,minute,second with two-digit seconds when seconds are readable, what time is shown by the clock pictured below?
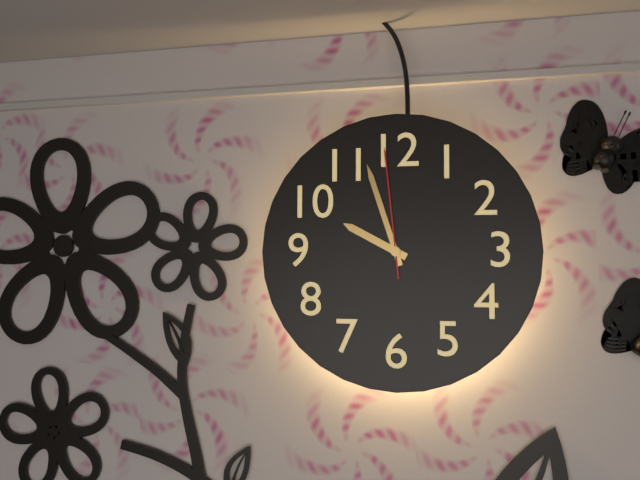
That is 9,57,59
